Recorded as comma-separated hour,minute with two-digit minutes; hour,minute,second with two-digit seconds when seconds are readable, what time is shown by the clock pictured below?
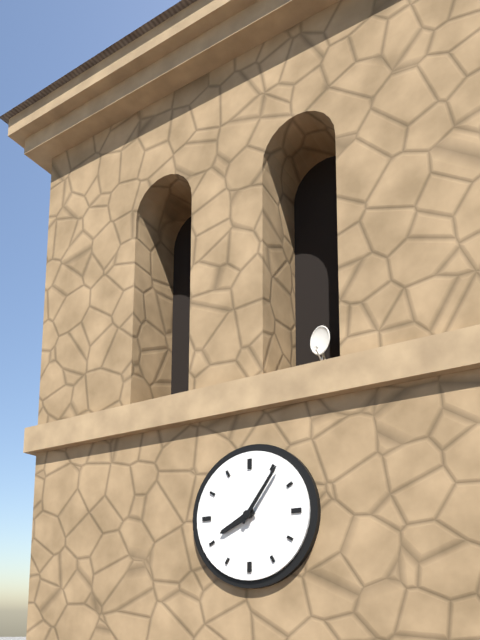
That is 8,06
